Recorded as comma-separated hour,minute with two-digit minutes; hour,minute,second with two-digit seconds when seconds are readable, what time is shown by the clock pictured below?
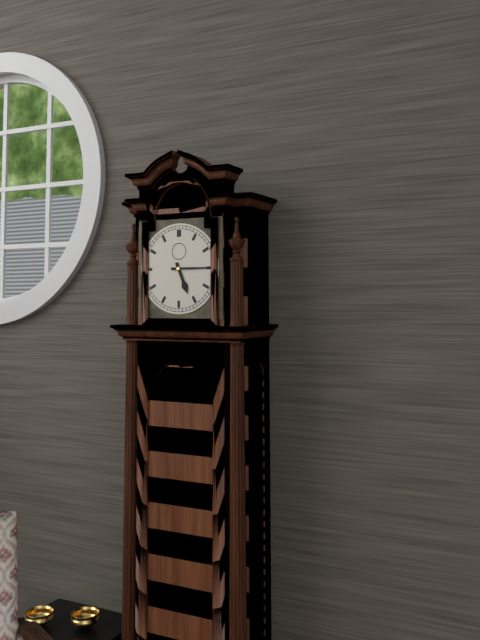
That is 5,15
